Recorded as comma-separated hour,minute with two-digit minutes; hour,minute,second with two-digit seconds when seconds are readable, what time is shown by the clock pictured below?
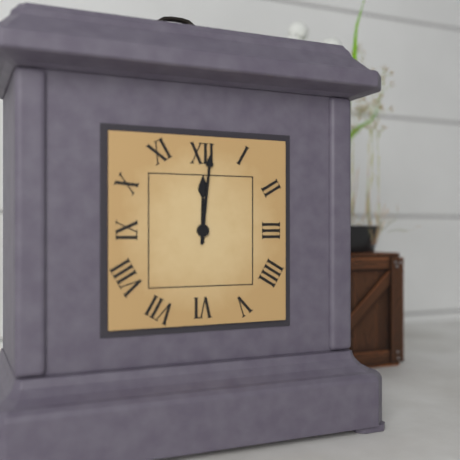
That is 12,01
